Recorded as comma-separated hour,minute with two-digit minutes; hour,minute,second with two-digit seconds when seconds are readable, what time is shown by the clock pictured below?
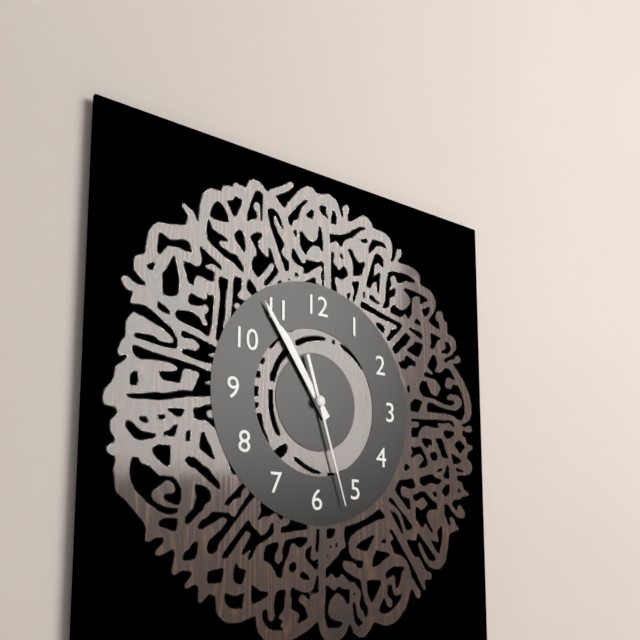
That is 10,54,27
